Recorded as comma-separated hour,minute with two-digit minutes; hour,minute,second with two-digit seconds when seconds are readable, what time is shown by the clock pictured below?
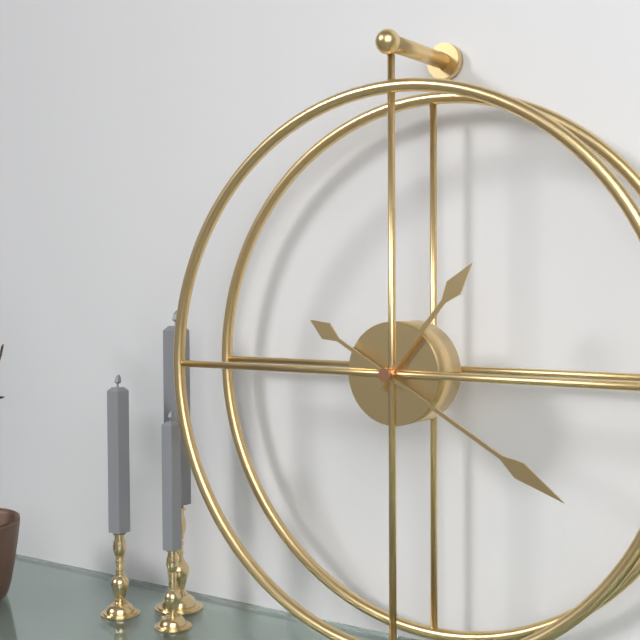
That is 1,20
